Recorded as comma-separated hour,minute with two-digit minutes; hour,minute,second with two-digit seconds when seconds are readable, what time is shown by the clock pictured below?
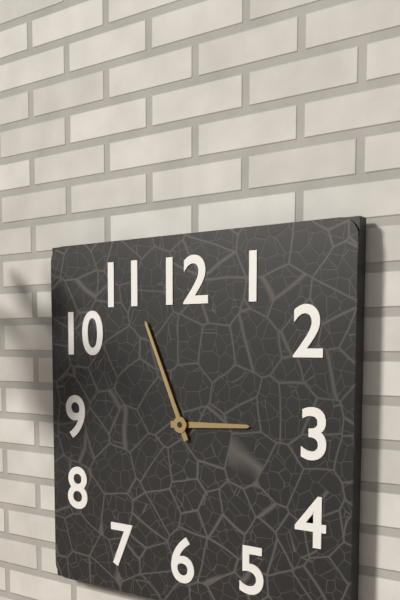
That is 2,56
